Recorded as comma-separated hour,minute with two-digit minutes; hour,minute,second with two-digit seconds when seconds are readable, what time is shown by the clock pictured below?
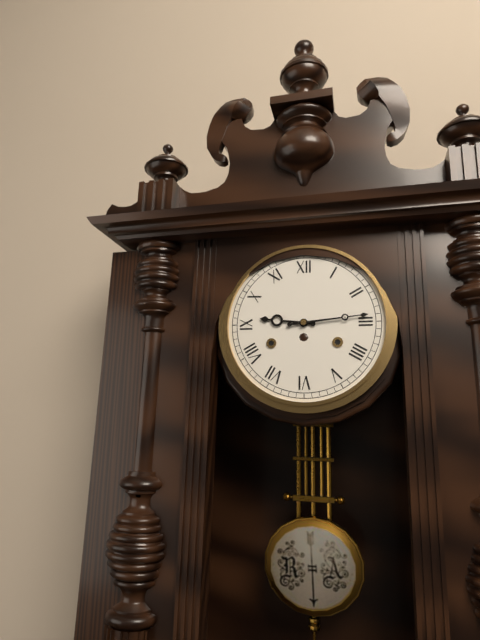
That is 9,14
